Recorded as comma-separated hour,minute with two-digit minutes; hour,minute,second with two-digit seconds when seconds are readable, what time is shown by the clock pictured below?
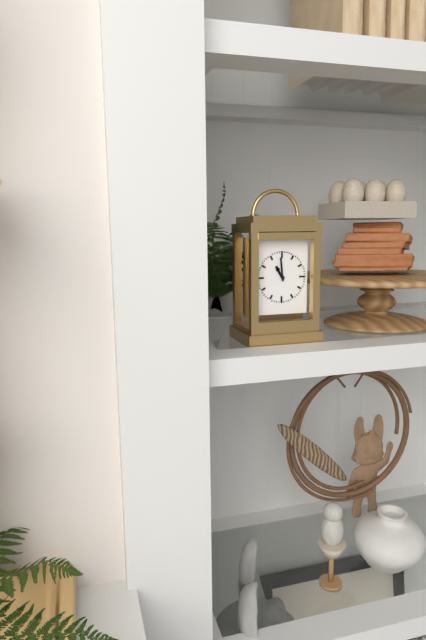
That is 10,59
